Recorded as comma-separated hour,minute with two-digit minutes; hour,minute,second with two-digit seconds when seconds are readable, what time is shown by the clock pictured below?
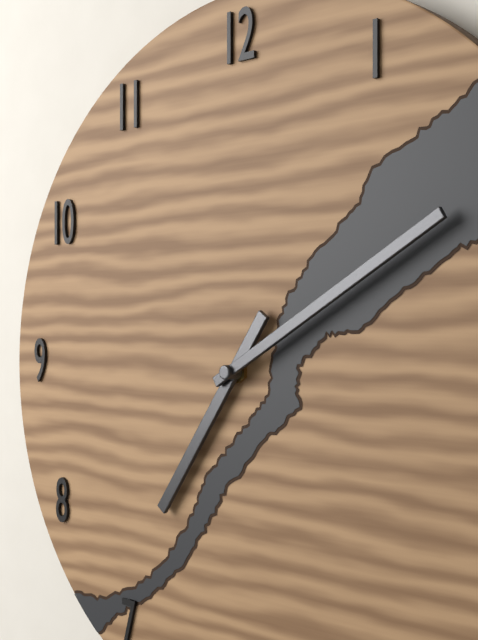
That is 7,10
